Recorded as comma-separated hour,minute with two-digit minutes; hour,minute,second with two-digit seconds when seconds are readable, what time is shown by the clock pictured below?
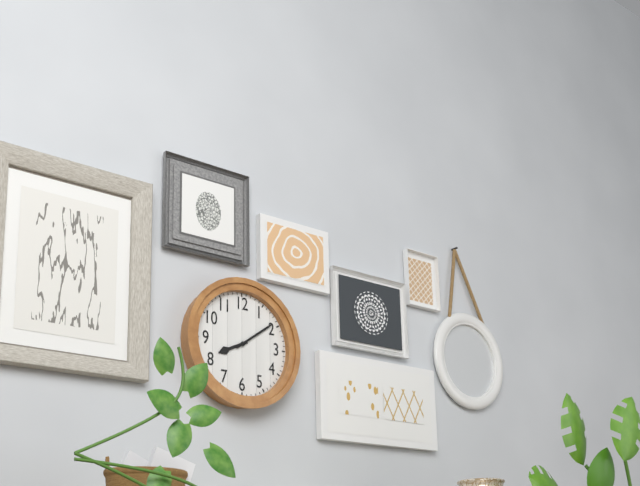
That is 8,09
